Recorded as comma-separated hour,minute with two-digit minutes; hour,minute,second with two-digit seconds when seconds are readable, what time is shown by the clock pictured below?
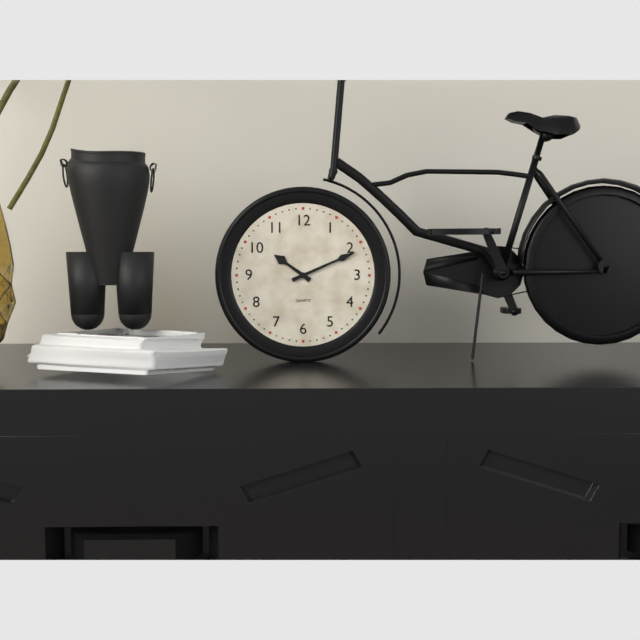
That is 10,11
